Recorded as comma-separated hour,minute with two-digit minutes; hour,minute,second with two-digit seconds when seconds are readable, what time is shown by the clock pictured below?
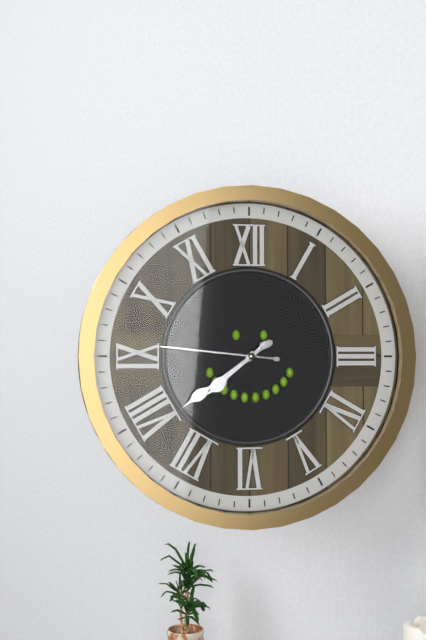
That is 7,39,46
